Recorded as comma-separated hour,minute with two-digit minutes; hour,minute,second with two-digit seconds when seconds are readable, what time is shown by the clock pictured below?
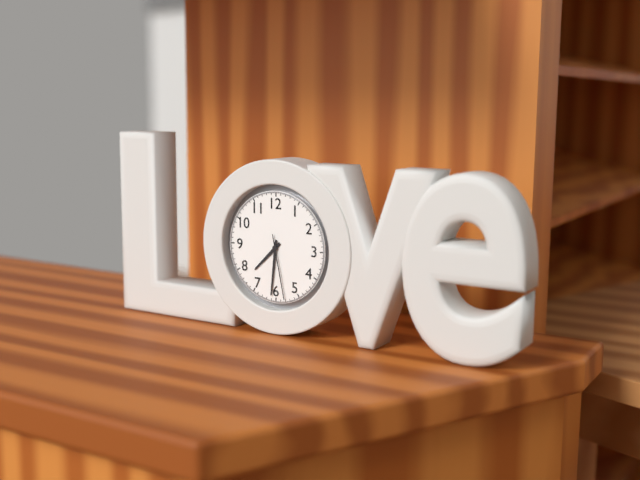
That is 7,31,28
